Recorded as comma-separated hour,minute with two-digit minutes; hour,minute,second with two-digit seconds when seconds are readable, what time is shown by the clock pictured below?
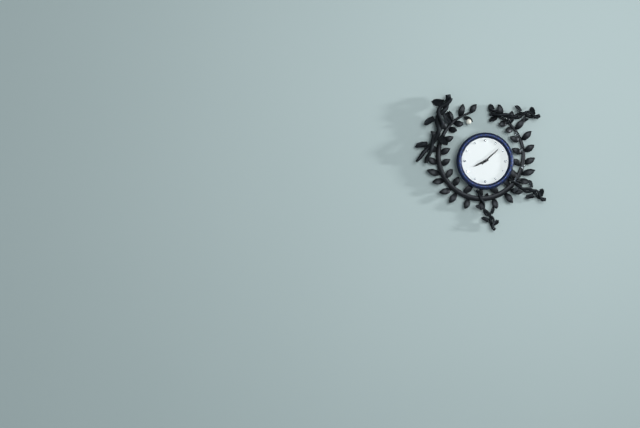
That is 8,08
